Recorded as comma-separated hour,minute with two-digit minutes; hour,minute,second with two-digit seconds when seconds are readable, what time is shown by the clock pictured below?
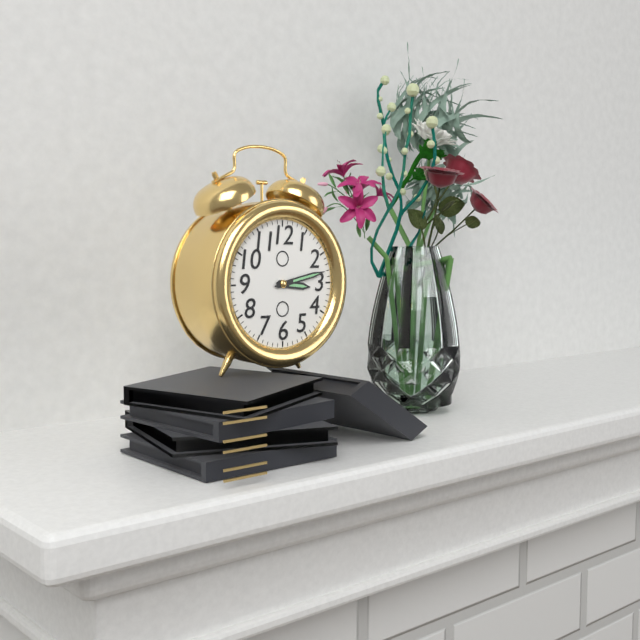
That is 3,13
